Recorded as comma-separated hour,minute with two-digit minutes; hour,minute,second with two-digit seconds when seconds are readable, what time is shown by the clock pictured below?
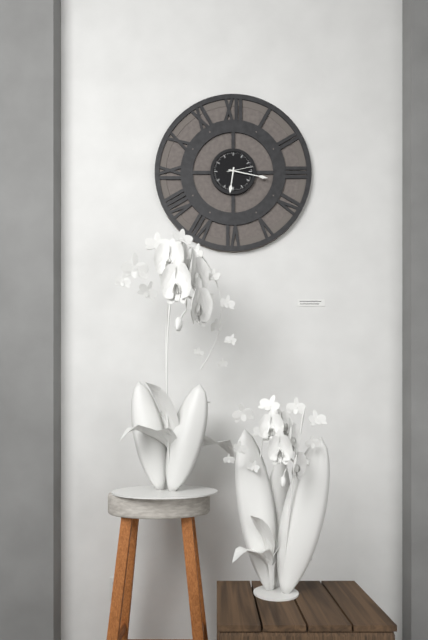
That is 6,17
